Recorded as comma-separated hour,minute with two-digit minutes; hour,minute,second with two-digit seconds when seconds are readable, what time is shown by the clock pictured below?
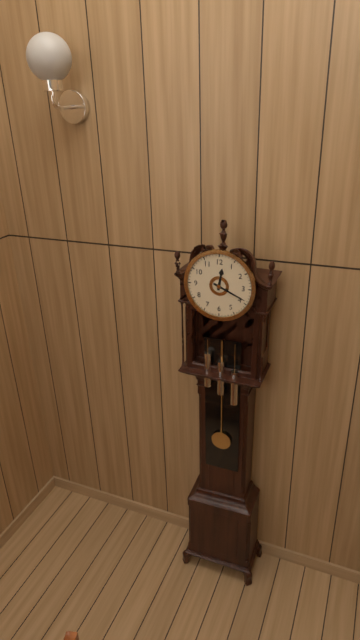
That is 12,19
